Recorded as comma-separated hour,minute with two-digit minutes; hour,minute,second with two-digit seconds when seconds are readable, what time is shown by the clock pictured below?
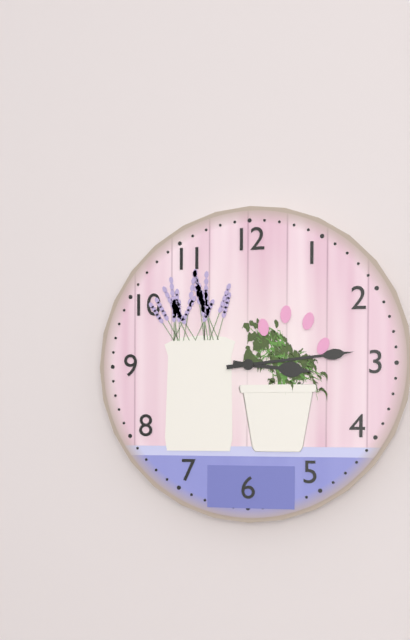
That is 3,14
